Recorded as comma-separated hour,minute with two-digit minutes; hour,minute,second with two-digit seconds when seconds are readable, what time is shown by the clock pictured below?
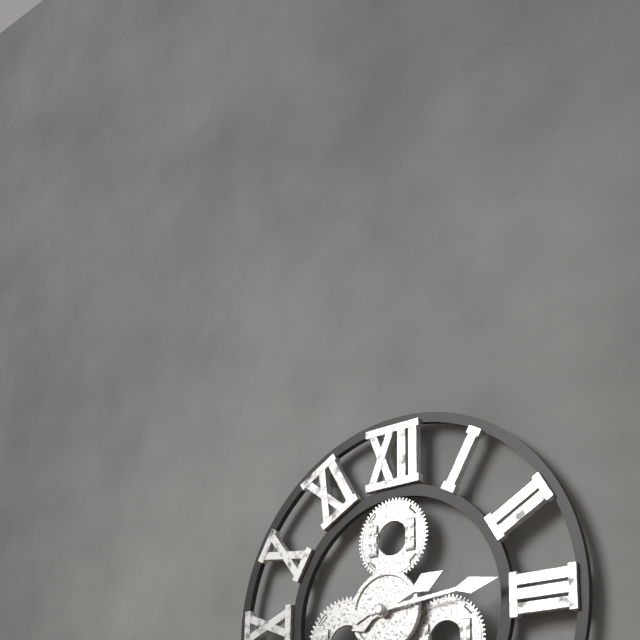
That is 2,14
